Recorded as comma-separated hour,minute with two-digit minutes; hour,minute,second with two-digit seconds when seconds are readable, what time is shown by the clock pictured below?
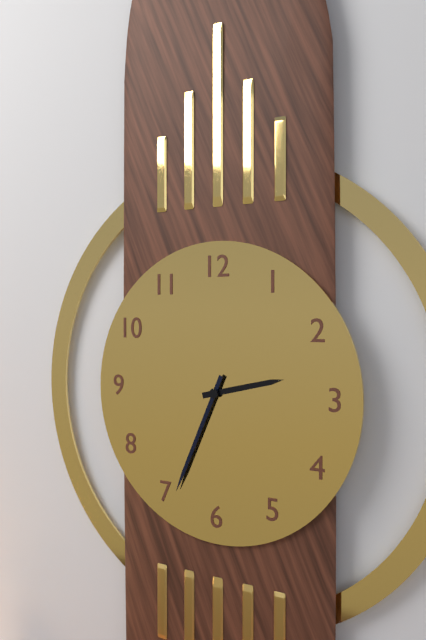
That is 2,34
